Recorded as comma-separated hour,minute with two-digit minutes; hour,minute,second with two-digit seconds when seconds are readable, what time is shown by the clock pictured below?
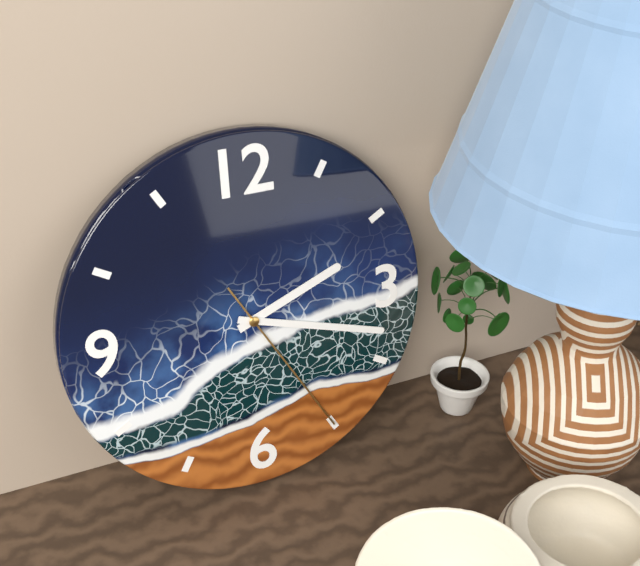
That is 2,18,25
